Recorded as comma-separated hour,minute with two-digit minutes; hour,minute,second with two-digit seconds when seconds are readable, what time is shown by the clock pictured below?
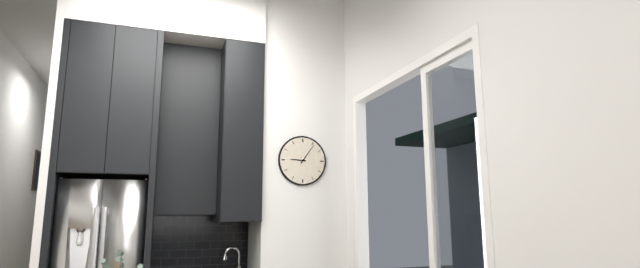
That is 9,06
